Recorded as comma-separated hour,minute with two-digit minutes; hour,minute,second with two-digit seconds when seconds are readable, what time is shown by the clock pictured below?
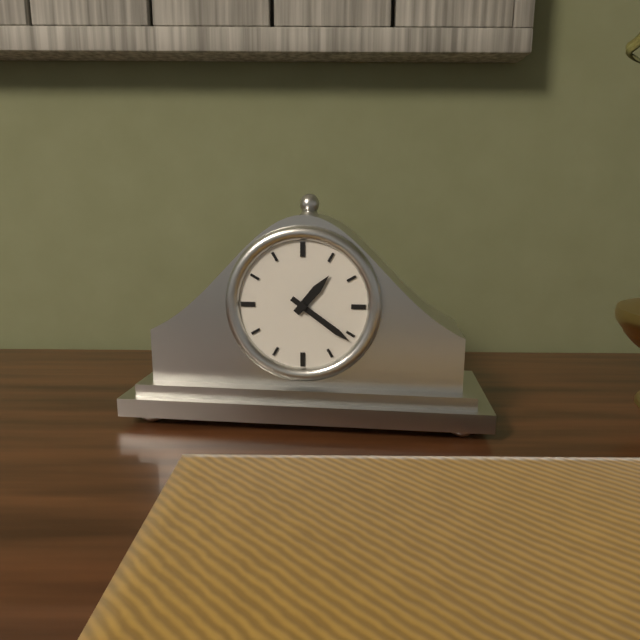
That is 1,21
